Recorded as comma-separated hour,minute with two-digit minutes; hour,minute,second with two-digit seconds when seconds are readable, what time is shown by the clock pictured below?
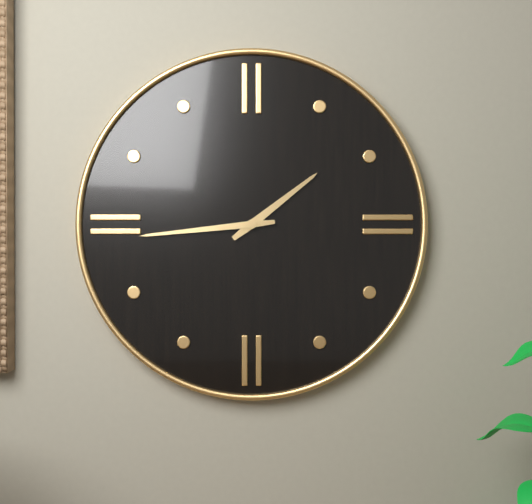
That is 1,44
